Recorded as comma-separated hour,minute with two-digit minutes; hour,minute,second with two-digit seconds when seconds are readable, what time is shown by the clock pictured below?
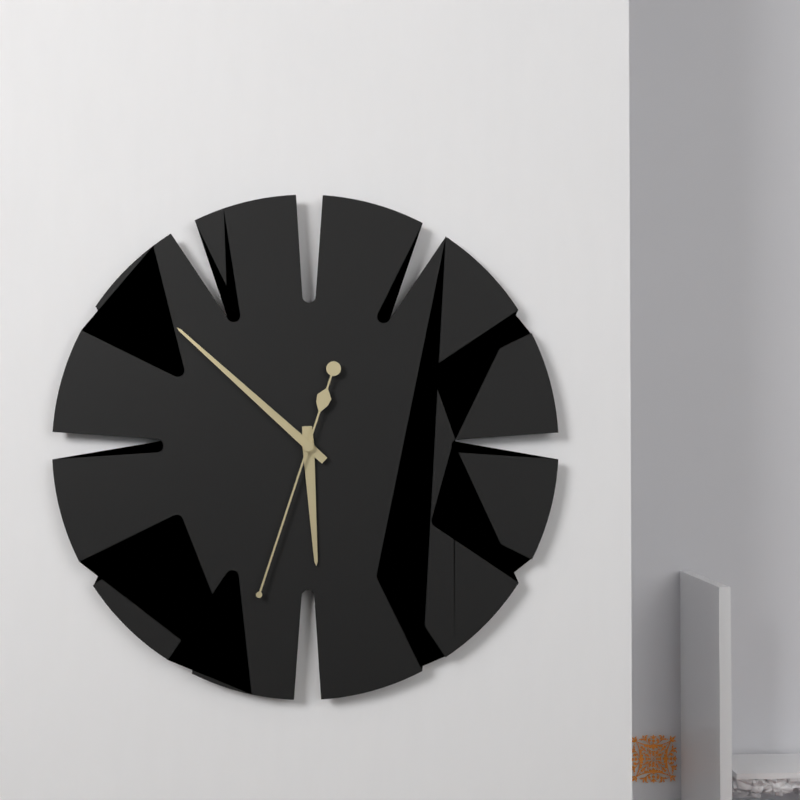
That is 5,52,33
